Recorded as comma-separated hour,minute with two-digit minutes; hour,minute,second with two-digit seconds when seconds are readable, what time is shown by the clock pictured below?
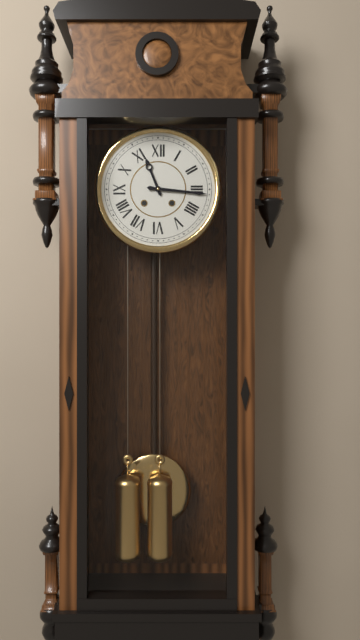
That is 11,16
